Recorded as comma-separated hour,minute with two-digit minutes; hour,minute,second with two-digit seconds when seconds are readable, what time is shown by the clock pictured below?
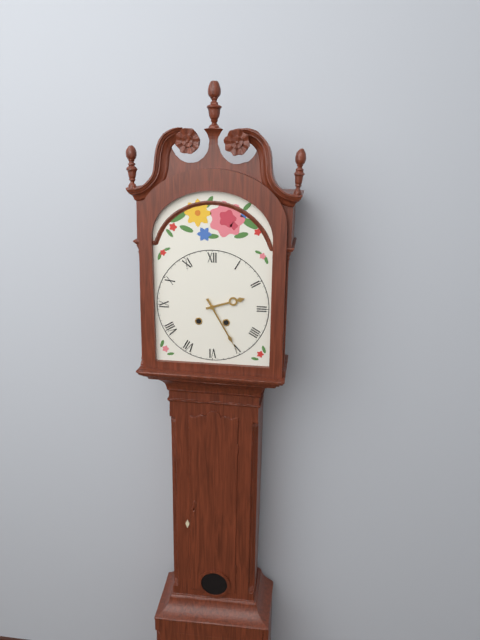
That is 2,25
